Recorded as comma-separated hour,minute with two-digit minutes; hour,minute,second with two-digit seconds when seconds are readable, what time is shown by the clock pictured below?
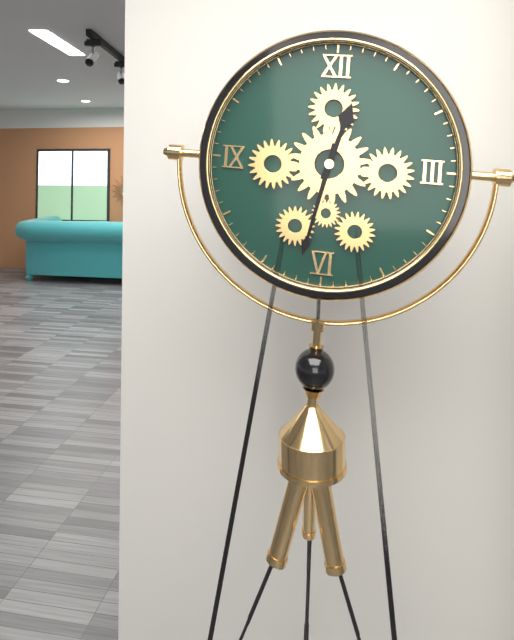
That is 12,32
